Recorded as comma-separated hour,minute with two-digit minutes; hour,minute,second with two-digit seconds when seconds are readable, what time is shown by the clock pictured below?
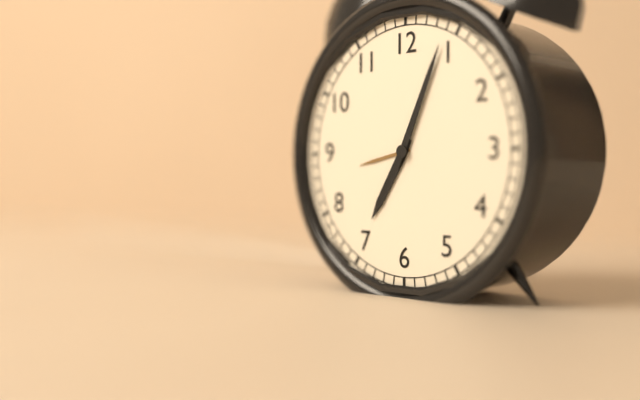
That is 7,04
